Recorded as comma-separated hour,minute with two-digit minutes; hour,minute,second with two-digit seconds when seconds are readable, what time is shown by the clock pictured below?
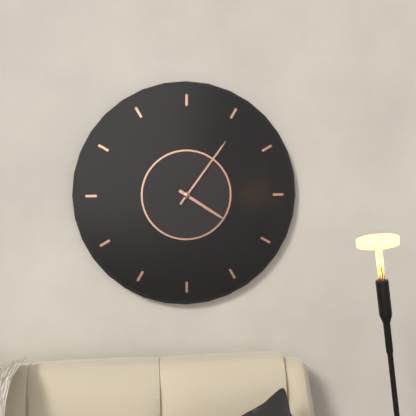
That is 4,06
